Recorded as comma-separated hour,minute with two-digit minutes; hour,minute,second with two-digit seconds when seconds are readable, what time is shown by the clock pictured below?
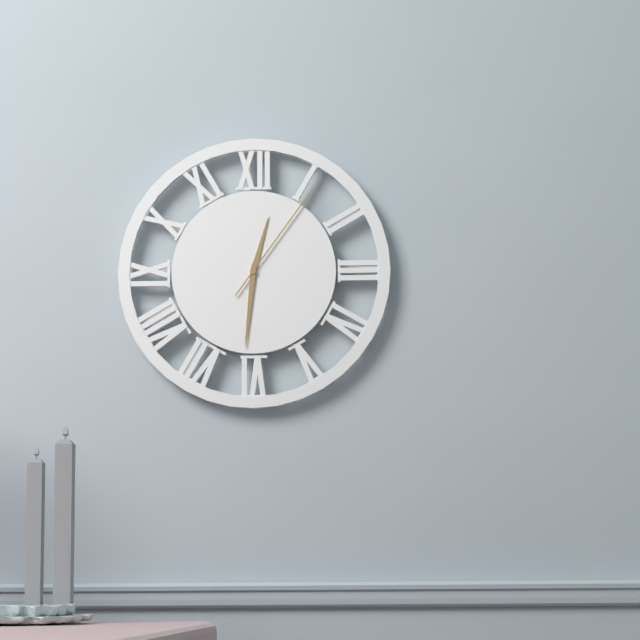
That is 12,31,06
